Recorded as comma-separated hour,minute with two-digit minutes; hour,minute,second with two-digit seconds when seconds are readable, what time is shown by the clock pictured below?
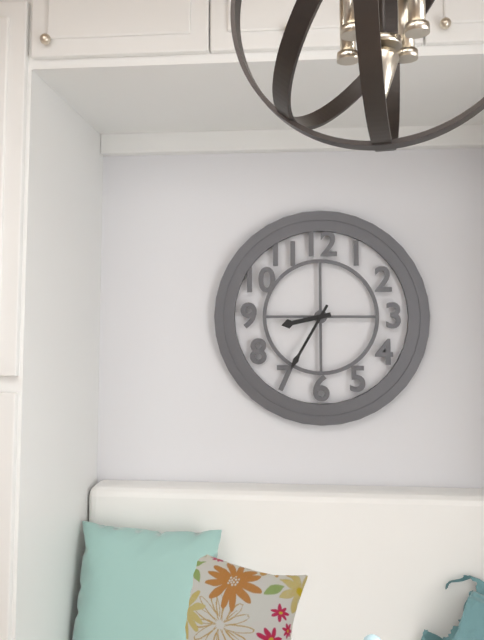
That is 8,35
